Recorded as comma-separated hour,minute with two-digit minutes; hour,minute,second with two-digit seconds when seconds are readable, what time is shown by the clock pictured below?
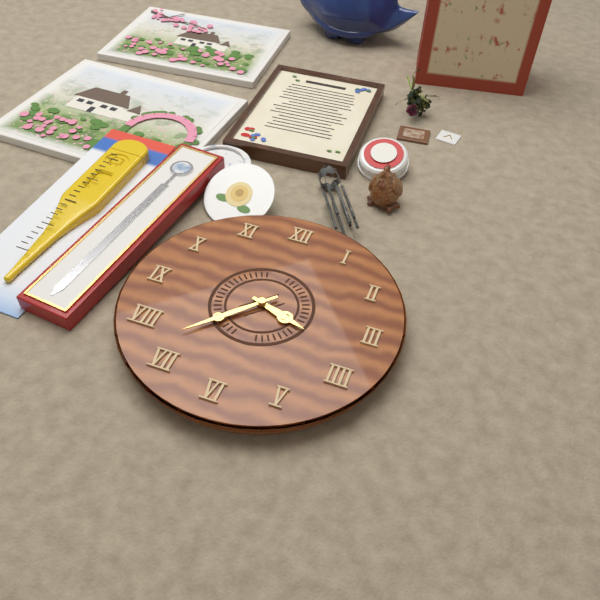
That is 3,37
